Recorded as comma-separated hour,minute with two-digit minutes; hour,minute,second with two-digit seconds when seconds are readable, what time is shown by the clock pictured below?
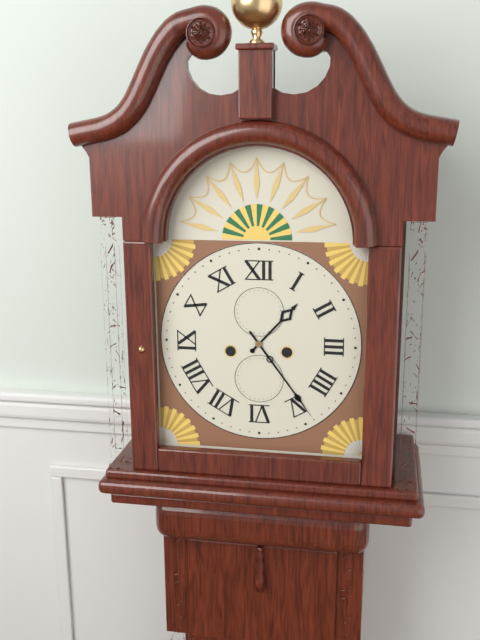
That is 1,24
